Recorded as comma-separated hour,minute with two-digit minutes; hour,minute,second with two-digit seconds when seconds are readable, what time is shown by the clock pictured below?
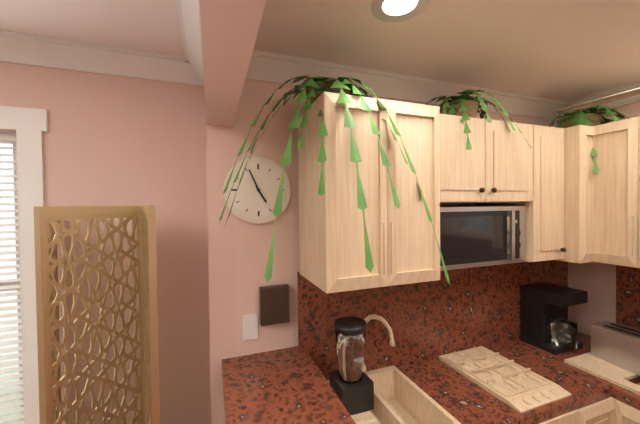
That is 4,56
